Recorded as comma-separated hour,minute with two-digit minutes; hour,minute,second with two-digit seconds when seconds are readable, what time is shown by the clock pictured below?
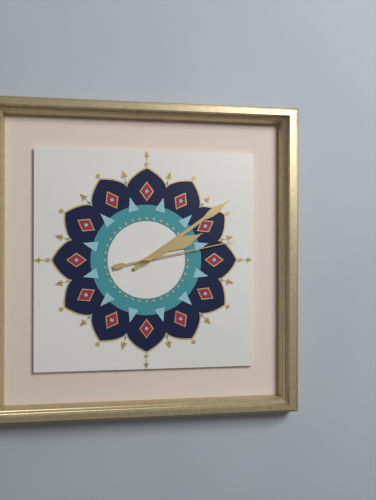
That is 2,09,13
